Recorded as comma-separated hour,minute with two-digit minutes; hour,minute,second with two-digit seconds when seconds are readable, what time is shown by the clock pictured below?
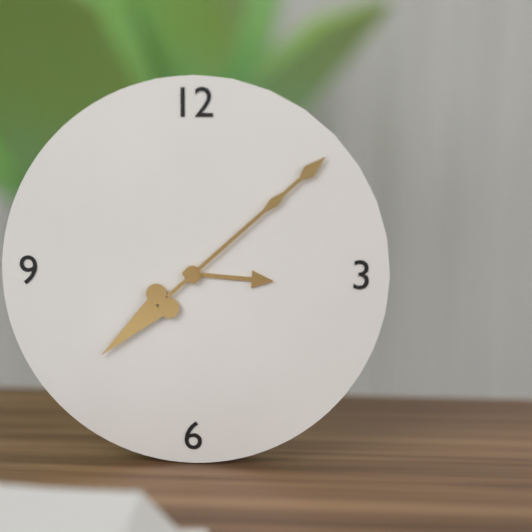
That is 3,08
